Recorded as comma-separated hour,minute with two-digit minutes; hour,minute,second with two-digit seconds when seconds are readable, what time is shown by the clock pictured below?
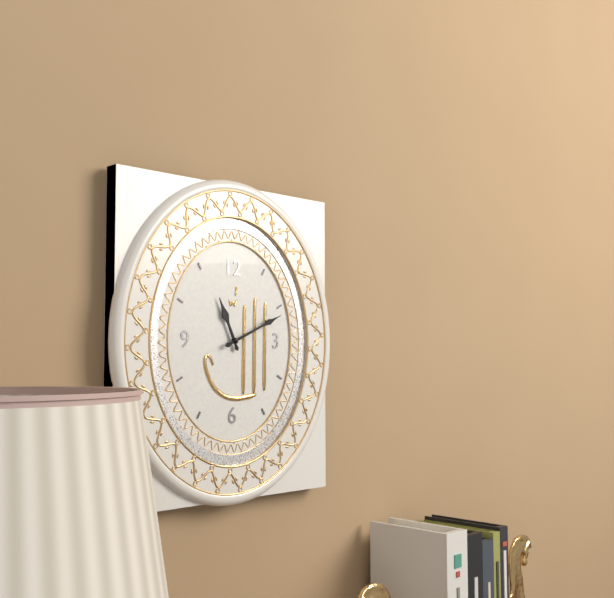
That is 11,11
